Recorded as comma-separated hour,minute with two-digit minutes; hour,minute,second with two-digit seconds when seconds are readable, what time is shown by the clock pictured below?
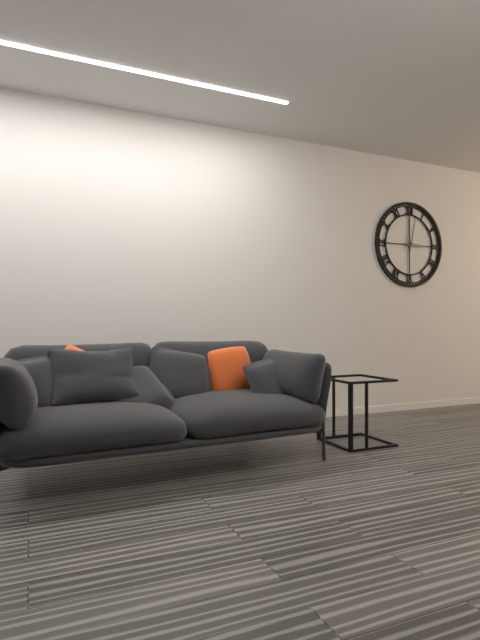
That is 3,02
